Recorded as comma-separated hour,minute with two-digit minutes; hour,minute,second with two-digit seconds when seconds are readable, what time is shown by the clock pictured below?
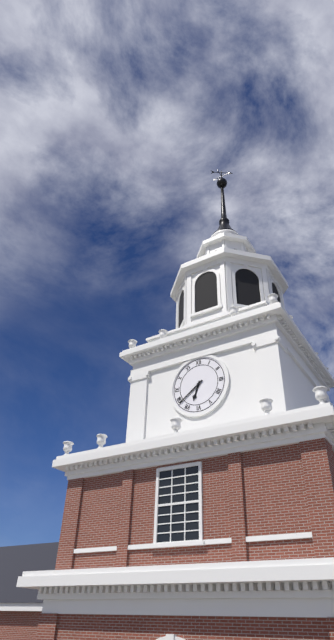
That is 6,39
